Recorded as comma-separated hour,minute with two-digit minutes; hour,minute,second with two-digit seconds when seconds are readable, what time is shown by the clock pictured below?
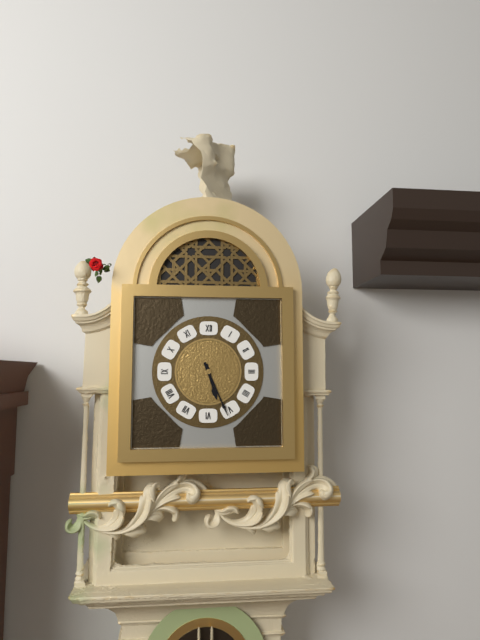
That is 5,26
